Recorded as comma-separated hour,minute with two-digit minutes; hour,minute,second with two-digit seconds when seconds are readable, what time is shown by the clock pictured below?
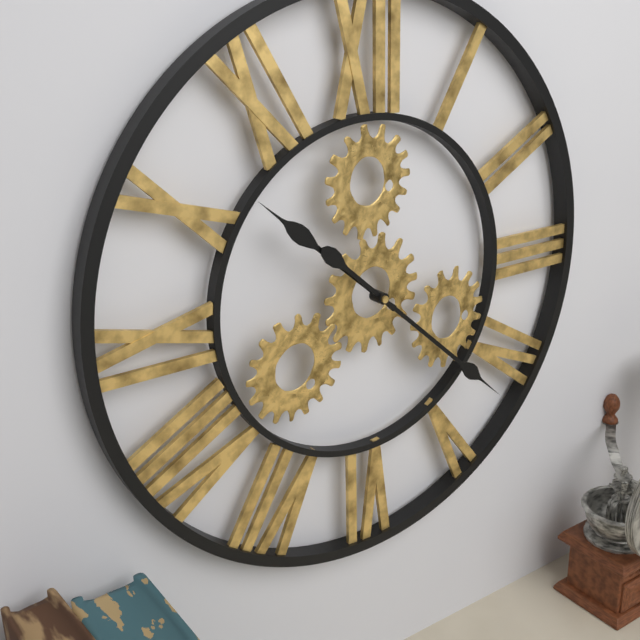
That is 10,22
